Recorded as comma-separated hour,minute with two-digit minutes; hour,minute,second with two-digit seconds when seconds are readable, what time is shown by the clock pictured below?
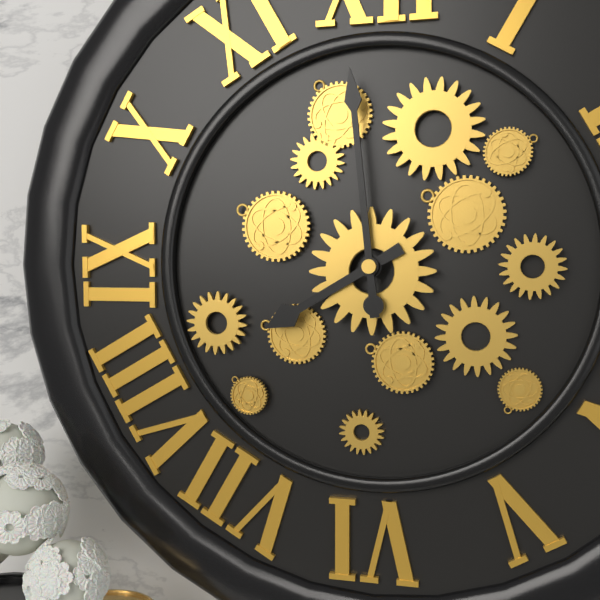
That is 7,59
